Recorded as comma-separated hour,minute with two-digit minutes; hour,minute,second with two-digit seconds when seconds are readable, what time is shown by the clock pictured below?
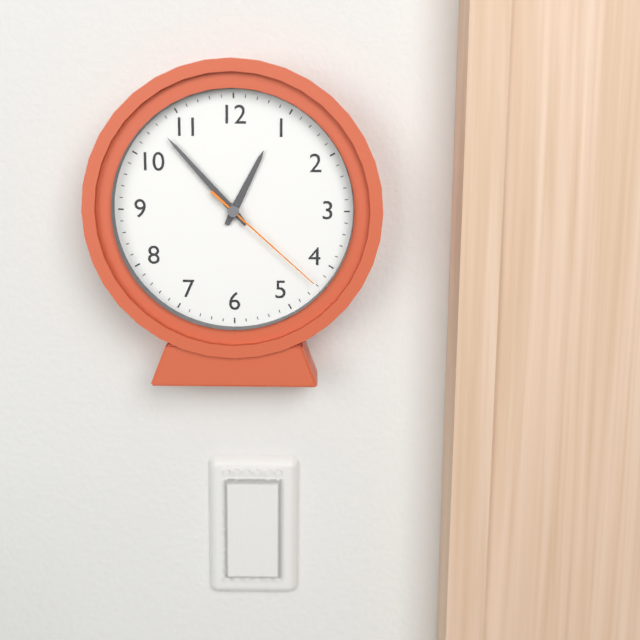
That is 12,53,22
